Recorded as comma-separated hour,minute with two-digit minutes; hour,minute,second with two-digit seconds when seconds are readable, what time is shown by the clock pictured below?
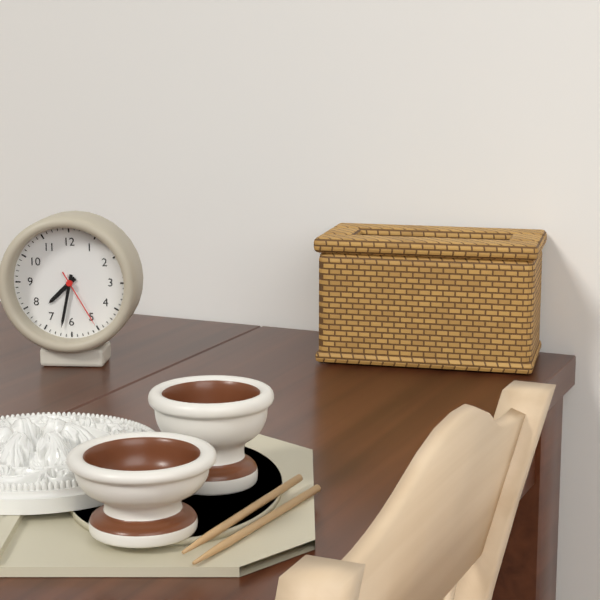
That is 7,32,25
